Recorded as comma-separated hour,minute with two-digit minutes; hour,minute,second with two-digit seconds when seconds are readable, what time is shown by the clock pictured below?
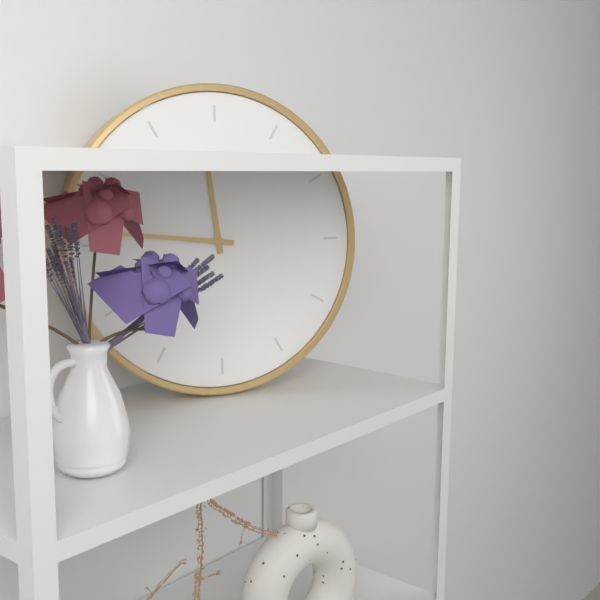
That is 11,46
